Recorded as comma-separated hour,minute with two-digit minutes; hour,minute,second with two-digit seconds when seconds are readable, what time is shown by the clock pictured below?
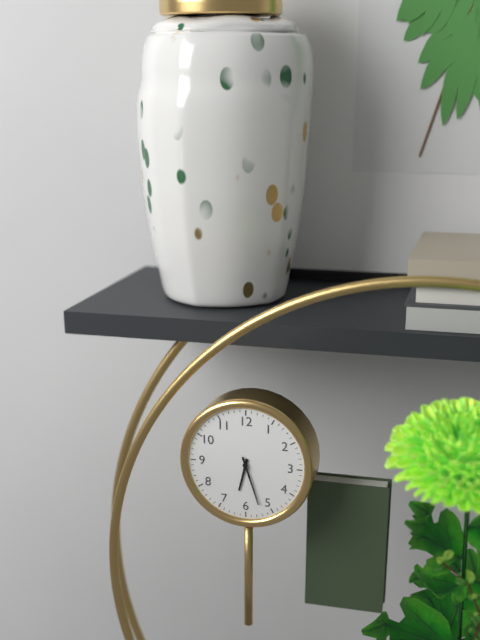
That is 6,27
